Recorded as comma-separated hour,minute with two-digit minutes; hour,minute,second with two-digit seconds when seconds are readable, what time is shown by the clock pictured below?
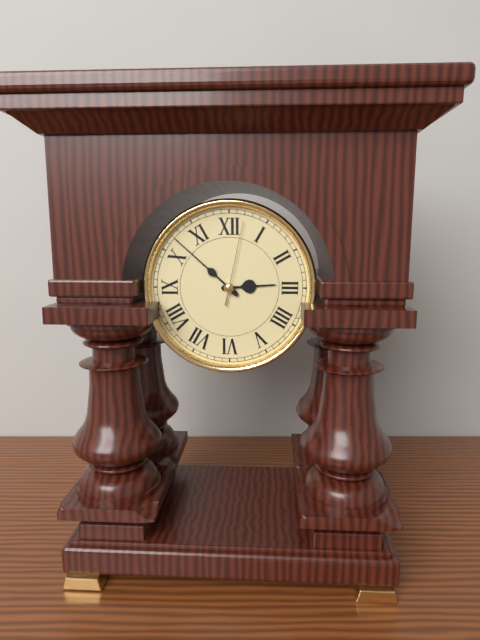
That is 2,52,02
